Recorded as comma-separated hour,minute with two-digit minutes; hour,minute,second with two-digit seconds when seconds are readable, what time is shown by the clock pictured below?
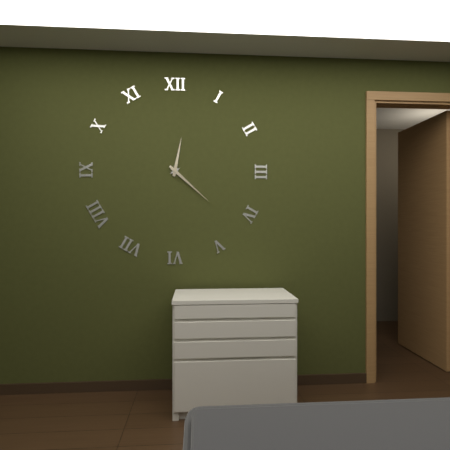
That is 12,22
